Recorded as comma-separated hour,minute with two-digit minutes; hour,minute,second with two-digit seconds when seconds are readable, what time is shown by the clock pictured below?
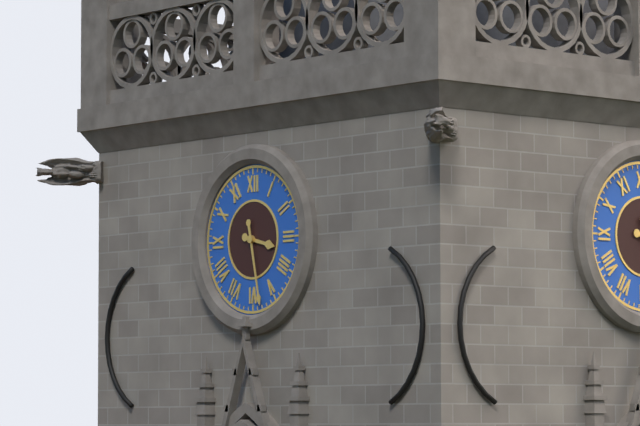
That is 3,28
